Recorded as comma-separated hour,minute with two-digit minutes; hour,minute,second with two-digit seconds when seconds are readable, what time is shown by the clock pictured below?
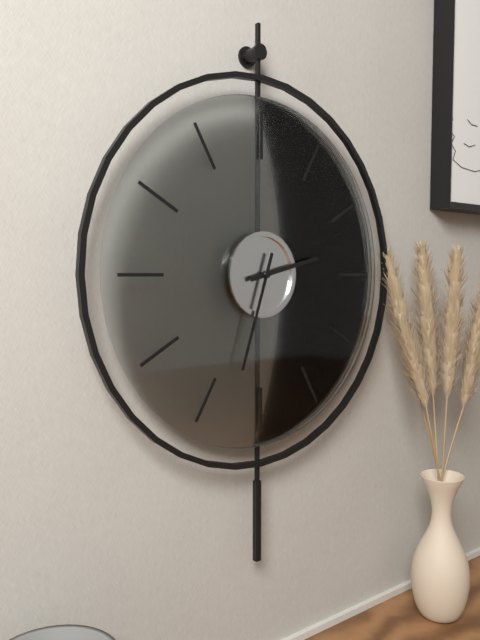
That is 2,33
